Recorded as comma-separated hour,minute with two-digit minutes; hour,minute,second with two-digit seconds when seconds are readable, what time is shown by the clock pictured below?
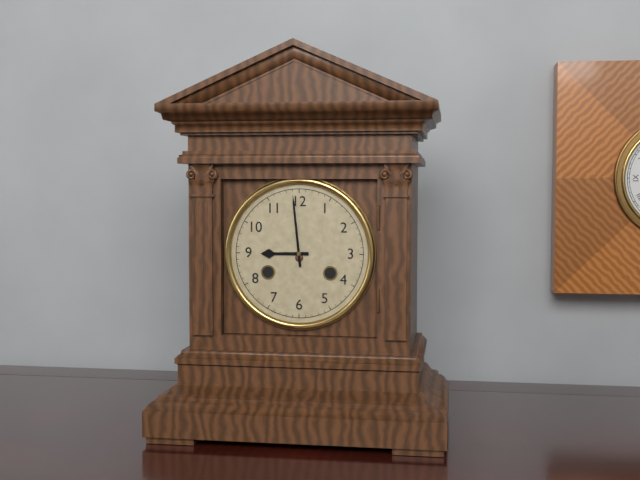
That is 8,59
